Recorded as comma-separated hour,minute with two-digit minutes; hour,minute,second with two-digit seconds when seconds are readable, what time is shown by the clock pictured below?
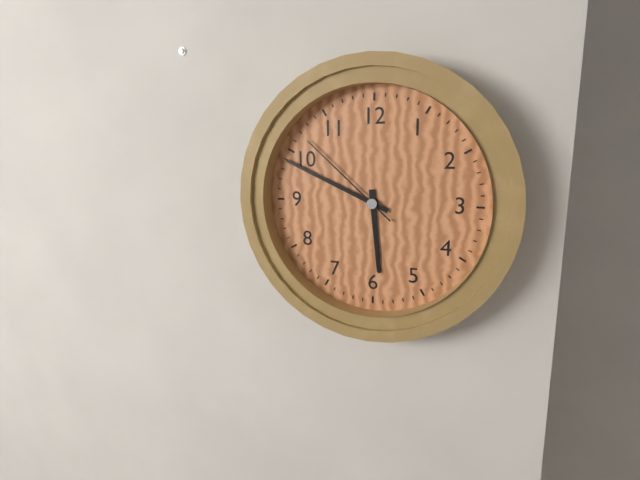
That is 5,49,52
